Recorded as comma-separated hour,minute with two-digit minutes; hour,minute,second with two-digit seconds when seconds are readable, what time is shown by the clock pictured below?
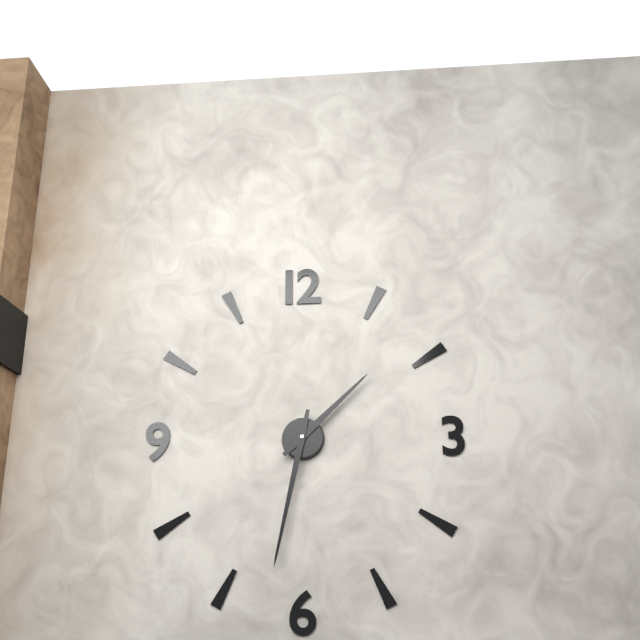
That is 1,32
